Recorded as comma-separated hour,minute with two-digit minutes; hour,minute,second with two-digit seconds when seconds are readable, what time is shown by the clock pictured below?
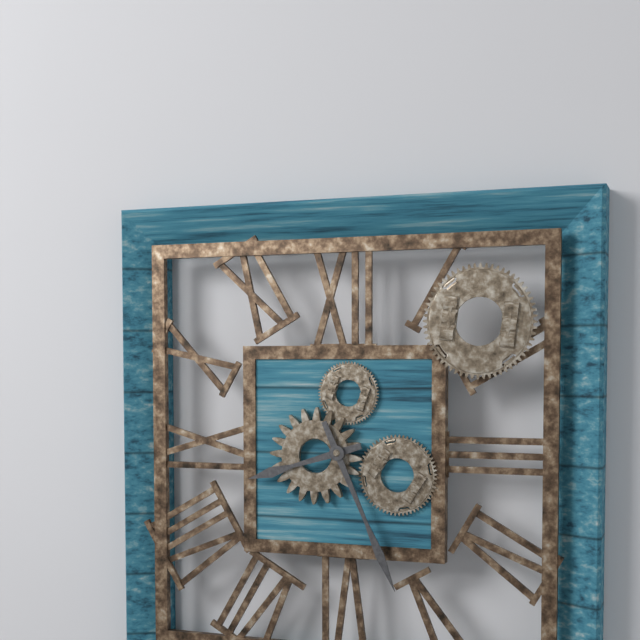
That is 8,26
